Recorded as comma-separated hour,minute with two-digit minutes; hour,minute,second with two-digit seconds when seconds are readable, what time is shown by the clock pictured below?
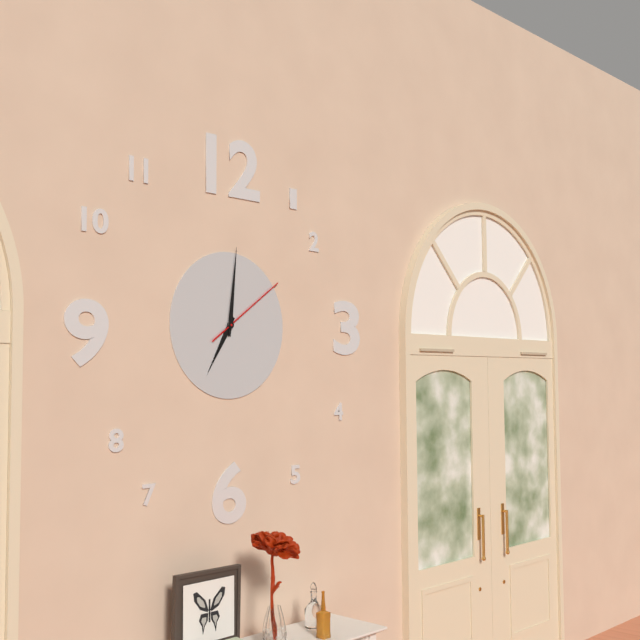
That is 7,01,09
